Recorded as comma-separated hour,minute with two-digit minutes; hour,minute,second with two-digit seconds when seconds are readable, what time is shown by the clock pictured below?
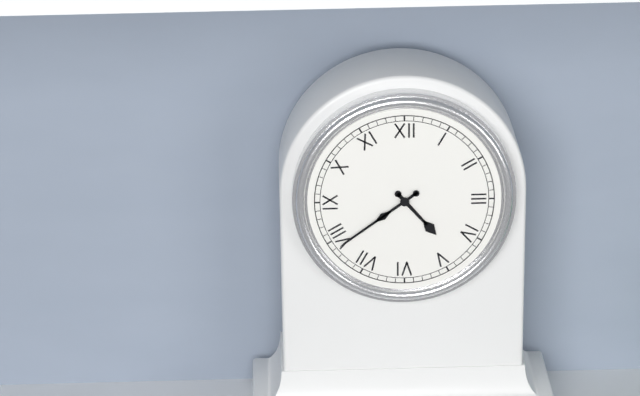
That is 4,39
